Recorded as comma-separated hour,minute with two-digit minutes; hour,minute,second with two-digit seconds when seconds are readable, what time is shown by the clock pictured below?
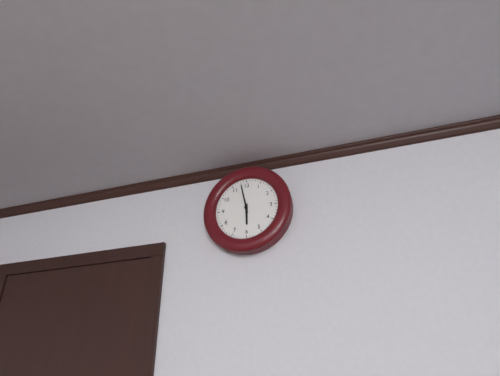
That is 5,58
